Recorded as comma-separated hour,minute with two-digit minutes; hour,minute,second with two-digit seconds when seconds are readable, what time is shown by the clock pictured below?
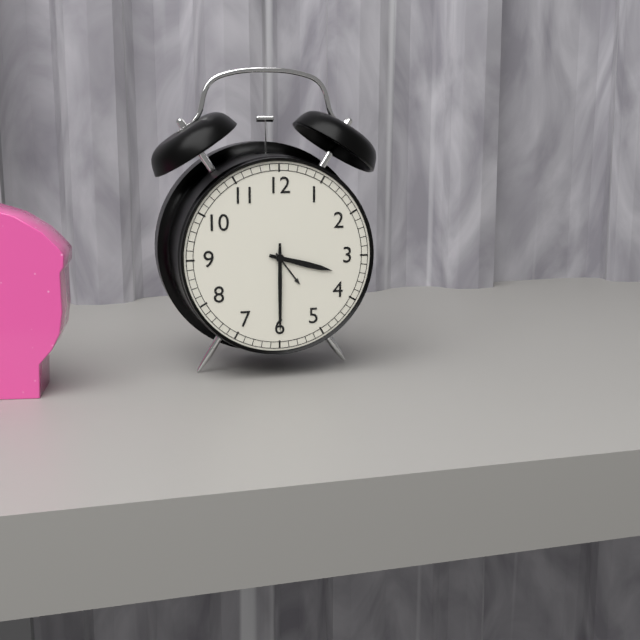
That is 3,30
